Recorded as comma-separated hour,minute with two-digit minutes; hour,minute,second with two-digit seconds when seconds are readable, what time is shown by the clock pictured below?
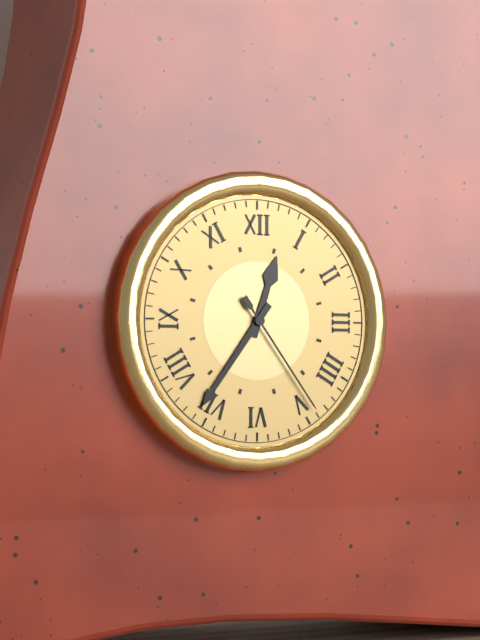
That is 12,36,24
